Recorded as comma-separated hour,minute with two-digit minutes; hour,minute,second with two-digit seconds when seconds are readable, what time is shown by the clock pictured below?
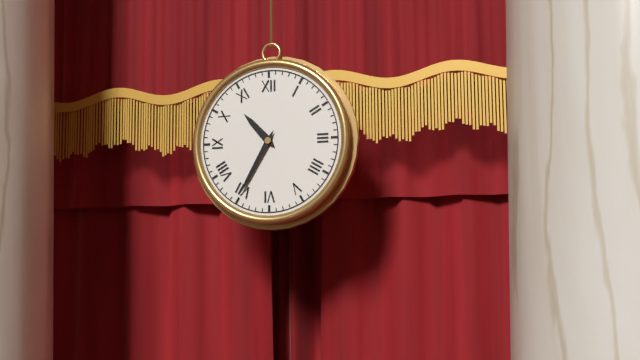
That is 10,35
